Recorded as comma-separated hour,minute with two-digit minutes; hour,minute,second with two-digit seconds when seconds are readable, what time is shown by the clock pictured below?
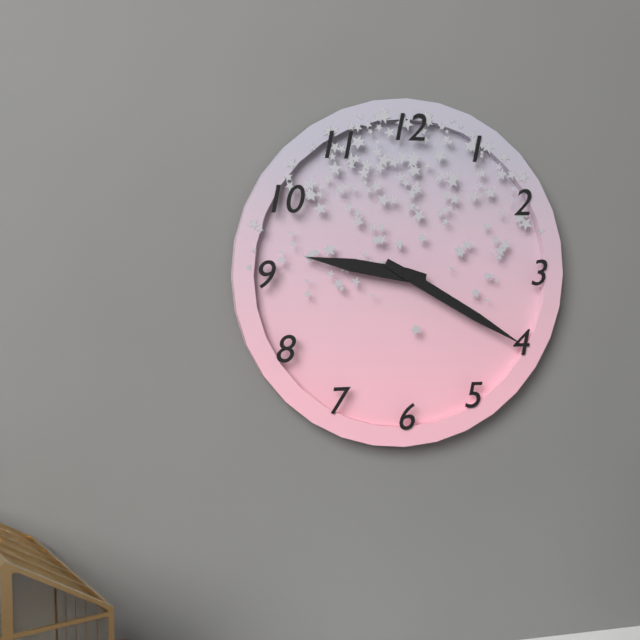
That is 9,20
